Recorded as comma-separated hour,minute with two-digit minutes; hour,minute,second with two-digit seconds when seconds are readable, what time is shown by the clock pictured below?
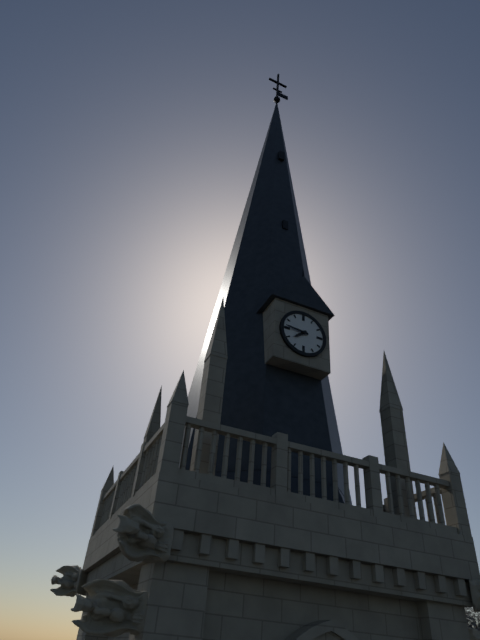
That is 7,46
